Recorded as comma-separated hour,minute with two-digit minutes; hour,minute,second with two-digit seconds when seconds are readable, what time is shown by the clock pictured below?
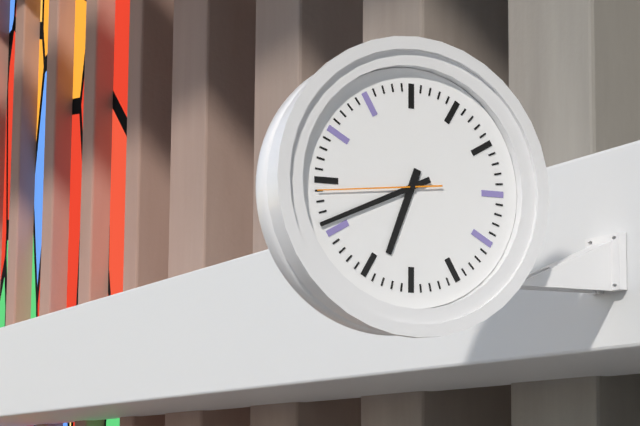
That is 6,41,44
